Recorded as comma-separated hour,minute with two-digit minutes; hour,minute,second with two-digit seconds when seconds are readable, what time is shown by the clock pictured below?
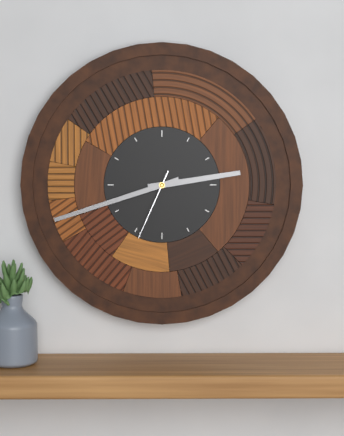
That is 2,42,34
